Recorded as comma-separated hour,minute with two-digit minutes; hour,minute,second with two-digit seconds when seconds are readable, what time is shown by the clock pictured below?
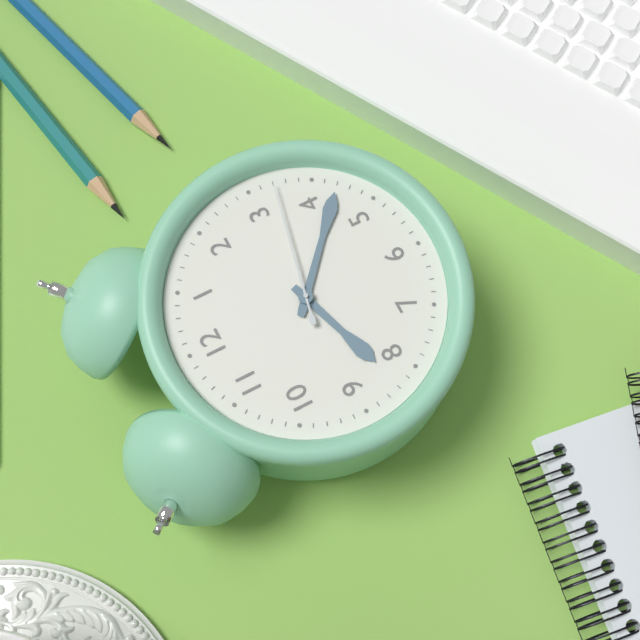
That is 8,22,17
